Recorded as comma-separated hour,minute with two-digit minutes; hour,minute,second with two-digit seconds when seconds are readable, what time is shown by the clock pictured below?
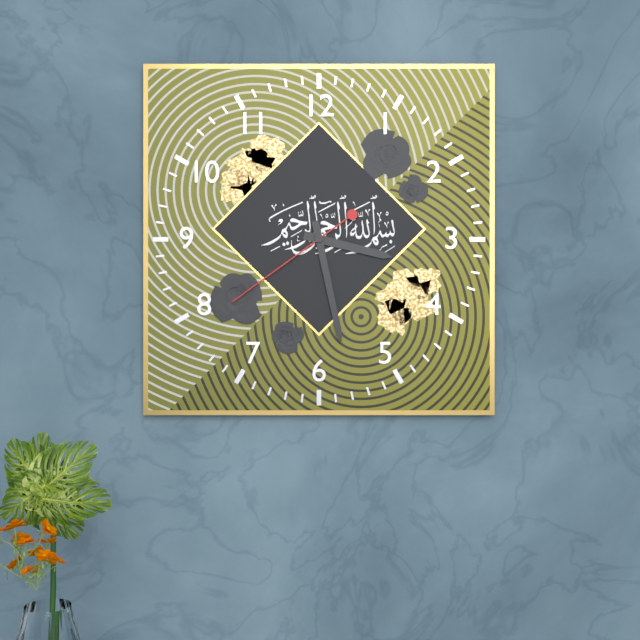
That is 3,28,39
